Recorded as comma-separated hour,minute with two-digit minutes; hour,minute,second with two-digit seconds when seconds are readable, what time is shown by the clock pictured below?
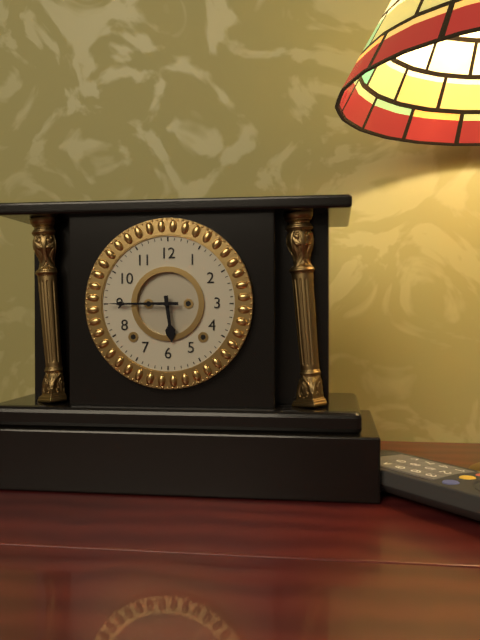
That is 5,45
